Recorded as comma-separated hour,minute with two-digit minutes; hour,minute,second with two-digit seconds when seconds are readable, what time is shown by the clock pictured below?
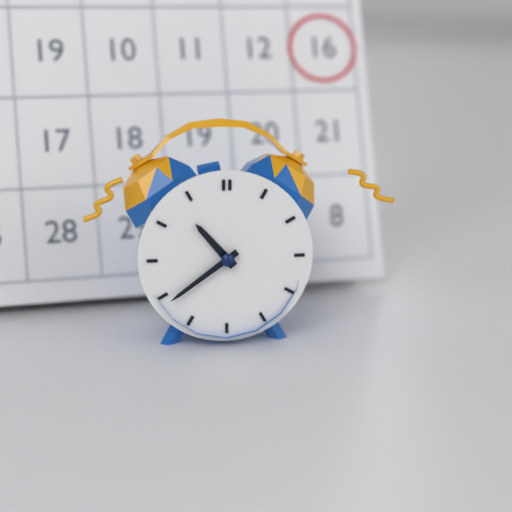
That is 10,39
